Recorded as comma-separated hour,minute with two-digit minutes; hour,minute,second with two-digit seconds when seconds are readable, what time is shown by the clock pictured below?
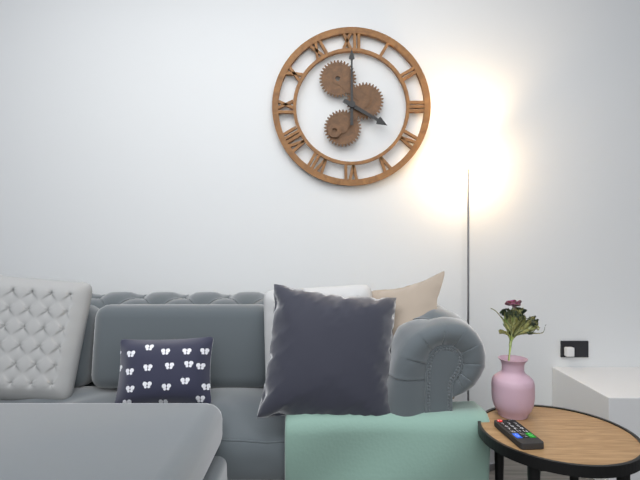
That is 4,00
